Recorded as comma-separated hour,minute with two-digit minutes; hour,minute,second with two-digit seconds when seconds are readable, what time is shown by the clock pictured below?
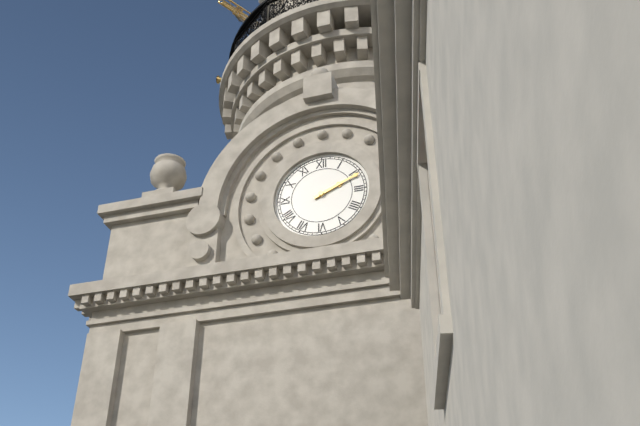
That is 2,11
